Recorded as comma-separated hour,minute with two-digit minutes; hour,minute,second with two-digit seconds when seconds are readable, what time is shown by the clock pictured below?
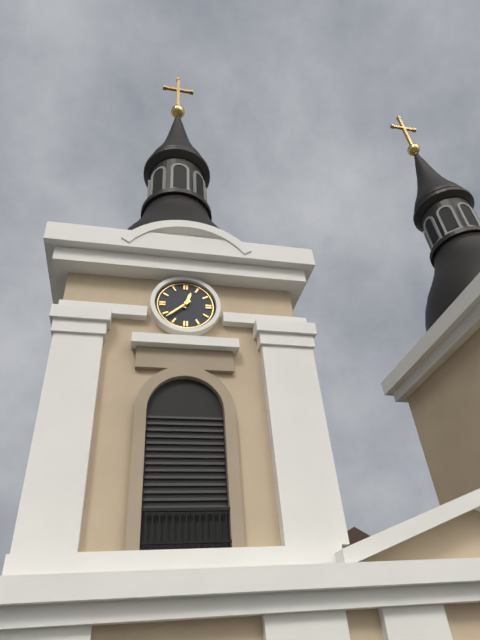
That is 12,38
